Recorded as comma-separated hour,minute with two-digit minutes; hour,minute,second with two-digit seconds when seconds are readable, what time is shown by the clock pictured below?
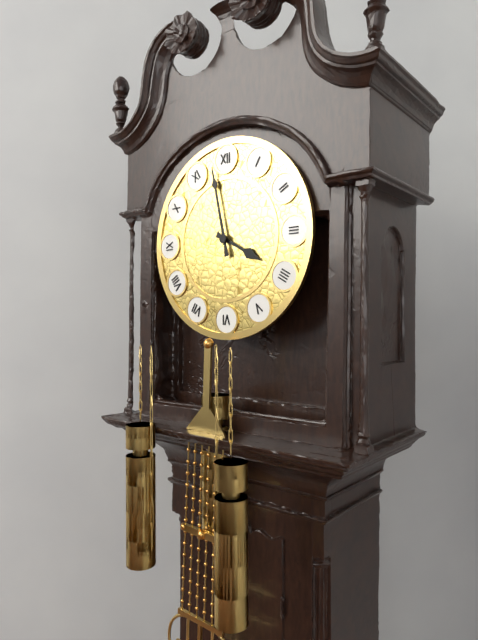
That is 3,58
